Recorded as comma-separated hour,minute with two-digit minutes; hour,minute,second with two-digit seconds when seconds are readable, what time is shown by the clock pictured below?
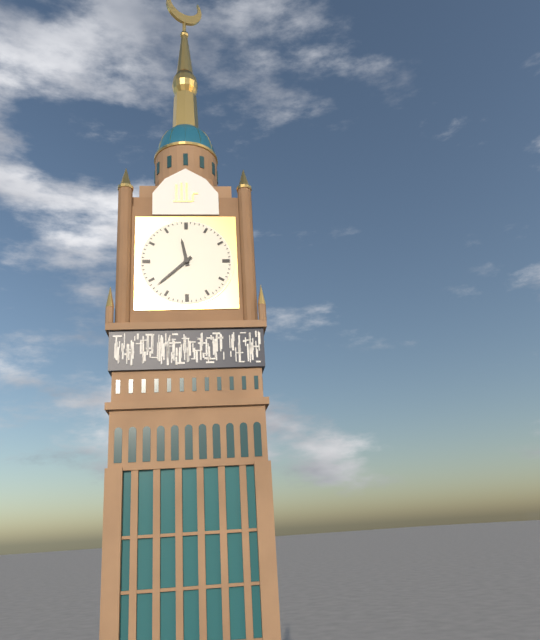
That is 11,38
